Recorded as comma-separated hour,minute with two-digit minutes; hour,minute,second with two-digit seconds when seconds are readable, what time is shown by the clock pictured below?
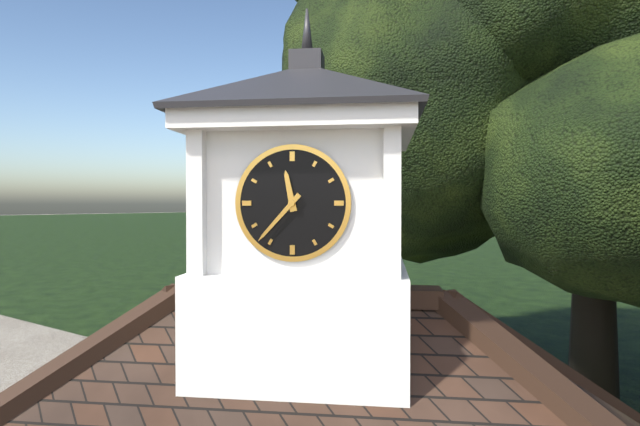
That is 11,37
